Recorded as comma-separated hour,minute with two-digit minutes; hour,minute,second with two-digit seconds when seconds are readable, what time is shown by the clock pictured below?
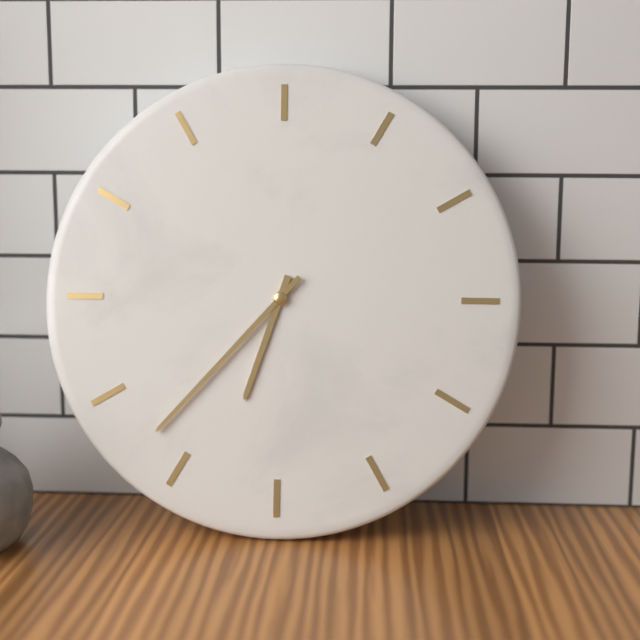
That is 6,37
